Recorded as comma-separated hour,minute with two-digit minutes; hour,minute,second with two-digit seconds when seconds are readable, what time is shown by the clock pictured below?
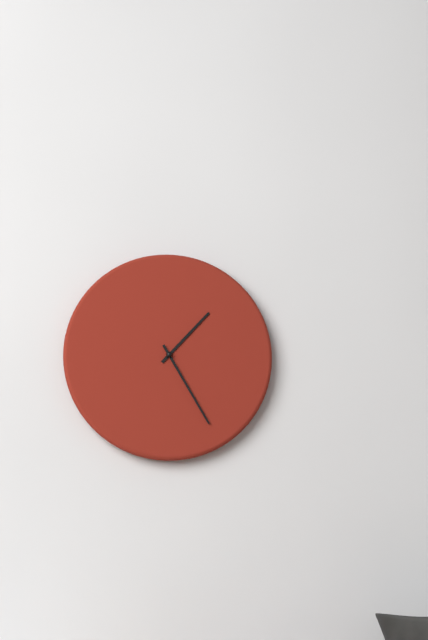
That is 1,25
